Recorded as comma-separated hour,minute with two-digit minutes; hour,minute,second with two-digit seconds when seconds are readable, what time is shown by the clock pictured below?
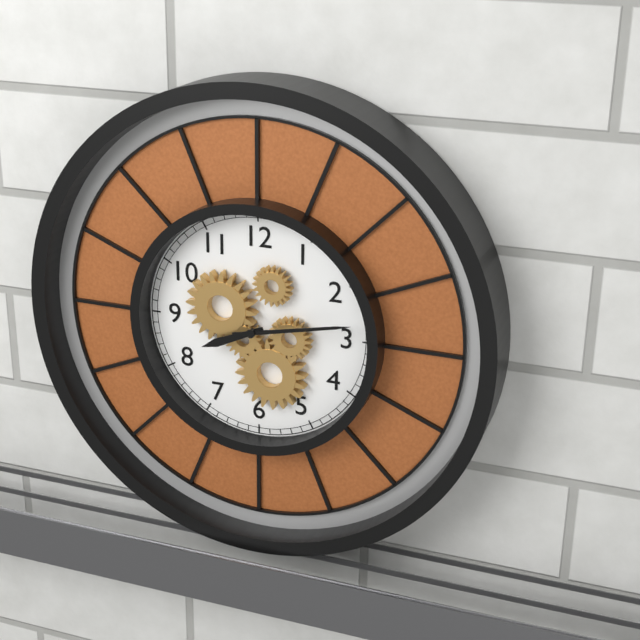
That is 8,13
